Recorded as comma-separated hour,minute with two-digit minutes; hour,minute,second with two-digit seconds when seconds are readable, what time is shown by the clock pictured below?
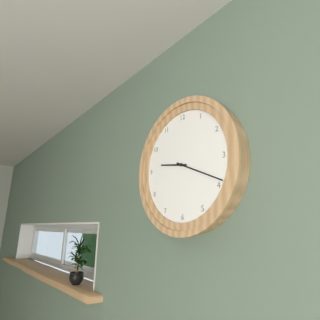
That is 9,19
